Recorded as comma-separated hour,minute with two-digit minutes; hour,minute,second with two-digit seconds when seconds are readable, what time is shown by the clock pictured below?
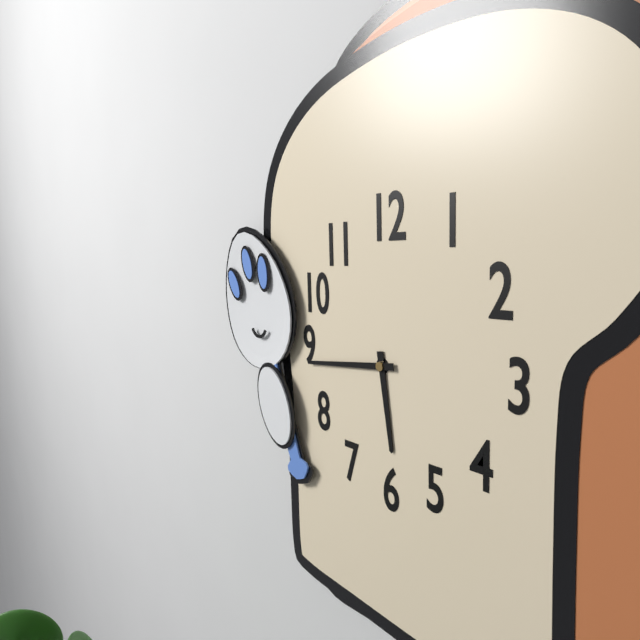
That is 5,44
